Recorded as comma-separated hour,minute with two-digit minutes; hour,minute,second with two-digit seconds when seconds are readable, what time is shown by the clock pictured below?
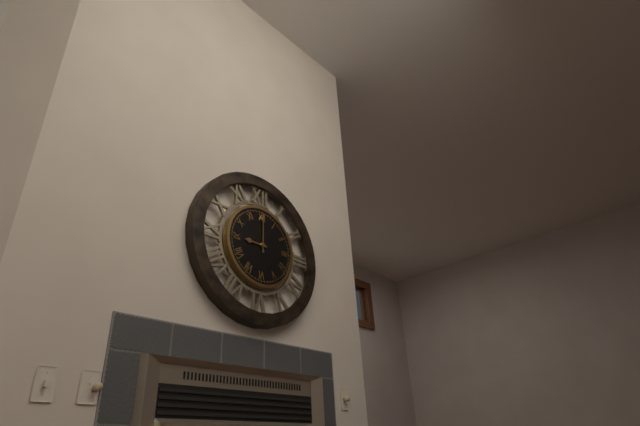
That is 9,00
